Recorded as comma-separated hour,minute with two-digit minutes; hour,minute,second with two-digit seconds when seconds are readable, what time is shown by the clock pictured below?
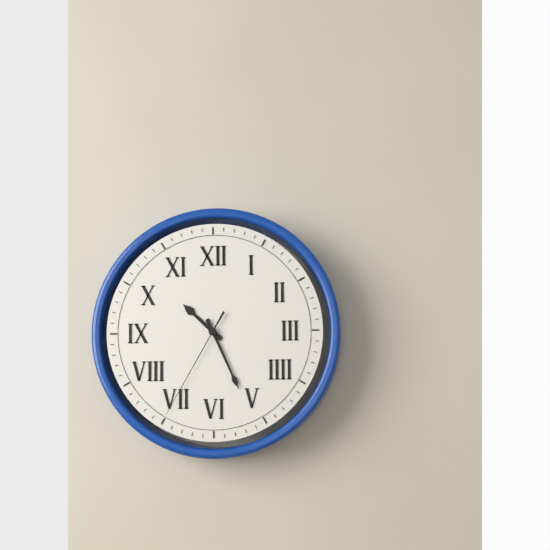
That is 10,26,35
